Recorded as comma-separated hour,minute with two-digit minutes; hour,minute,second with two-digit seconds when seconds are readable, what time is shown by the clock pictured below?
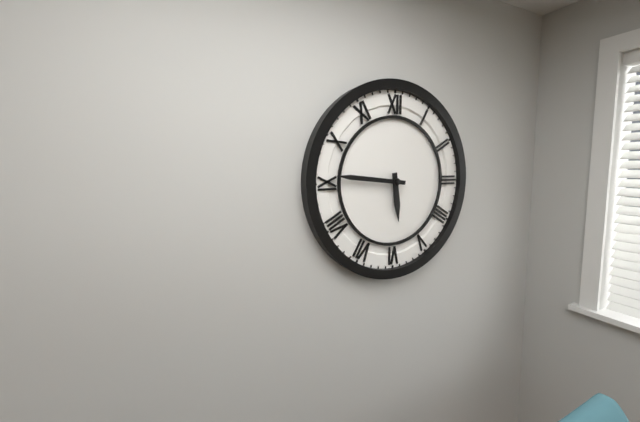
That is 5,46
